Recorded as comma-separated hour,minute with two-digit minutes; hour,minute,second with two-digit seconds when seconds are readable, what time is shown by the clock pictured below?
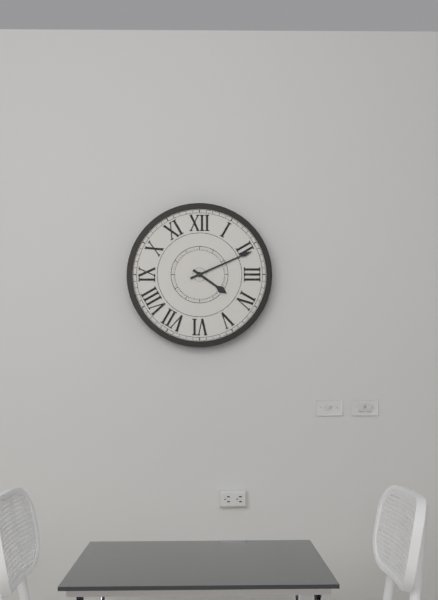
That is 4,11
